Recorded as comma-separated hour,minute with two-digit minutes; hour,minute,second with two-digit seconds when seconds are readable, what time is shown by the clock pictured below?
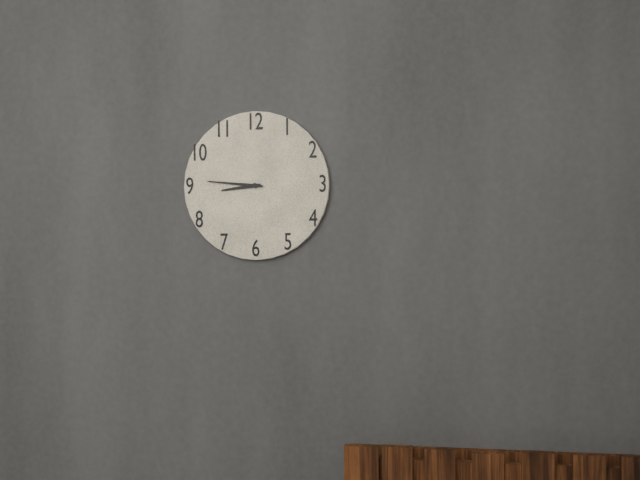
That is 8,46
